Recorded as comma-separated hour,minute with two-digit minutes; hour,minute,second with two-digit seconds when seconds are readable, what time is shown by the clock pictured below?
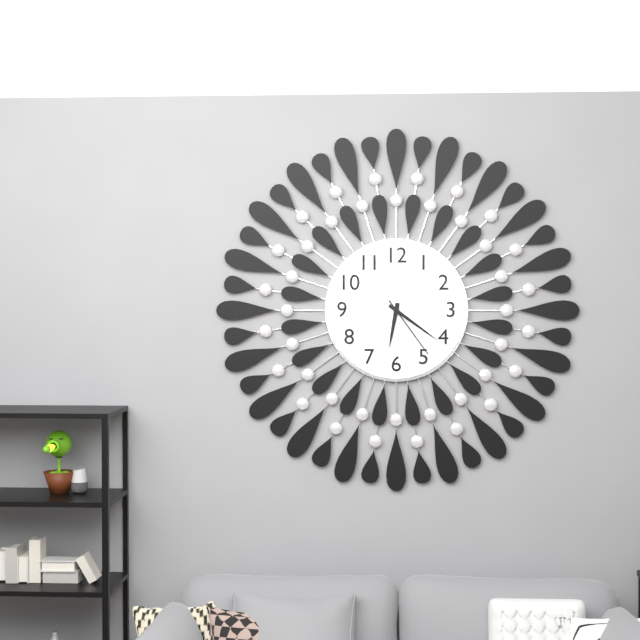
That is 6,21,24
